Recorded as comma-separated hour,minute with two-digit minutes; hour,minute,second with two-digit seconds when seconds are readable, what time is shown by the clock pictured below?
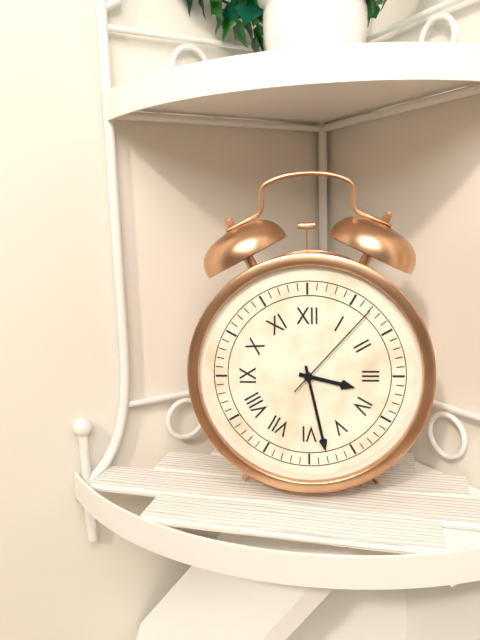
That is 3,28,07
